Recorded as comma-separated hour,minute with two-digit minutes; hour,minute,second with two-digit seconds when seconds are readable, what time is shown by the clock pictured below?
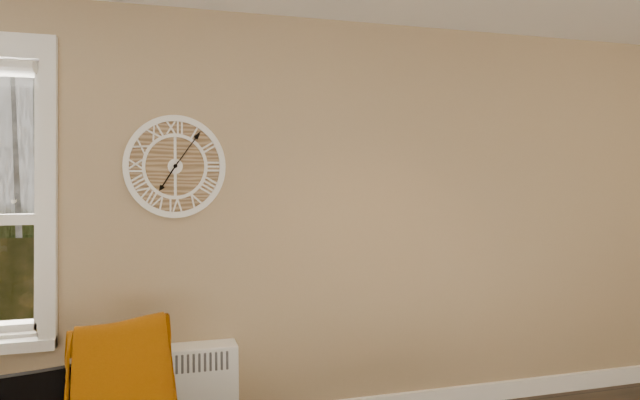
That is 7,06
